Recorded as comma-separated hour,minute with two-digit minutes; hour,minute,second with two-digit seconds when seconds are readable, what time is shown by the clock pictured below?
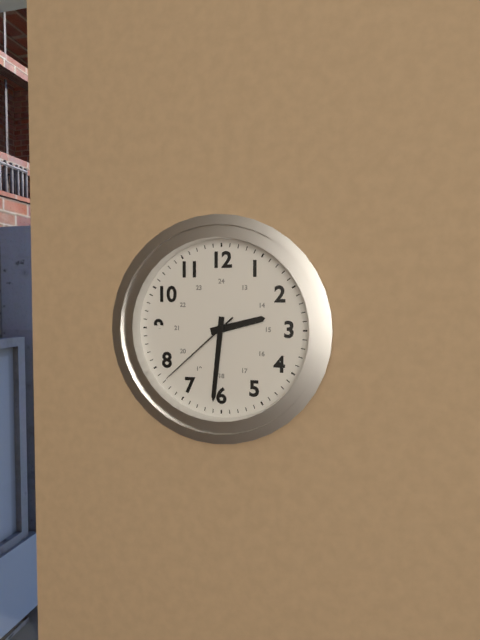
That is 2,31,38
